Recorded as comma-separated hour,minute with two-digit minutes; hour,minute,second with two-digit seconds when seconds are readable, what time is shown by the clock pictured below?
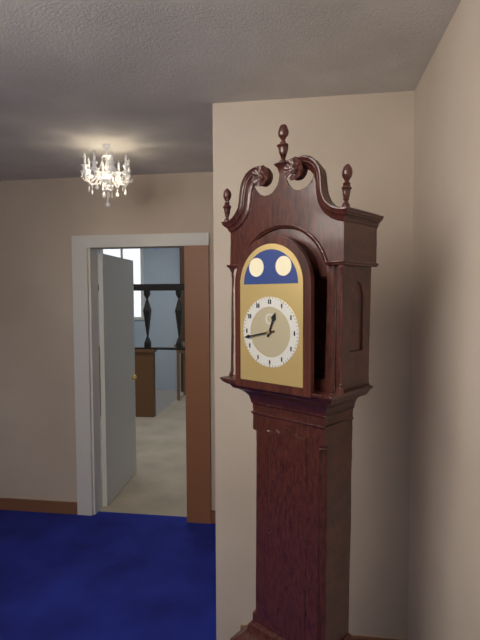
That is 12,43
